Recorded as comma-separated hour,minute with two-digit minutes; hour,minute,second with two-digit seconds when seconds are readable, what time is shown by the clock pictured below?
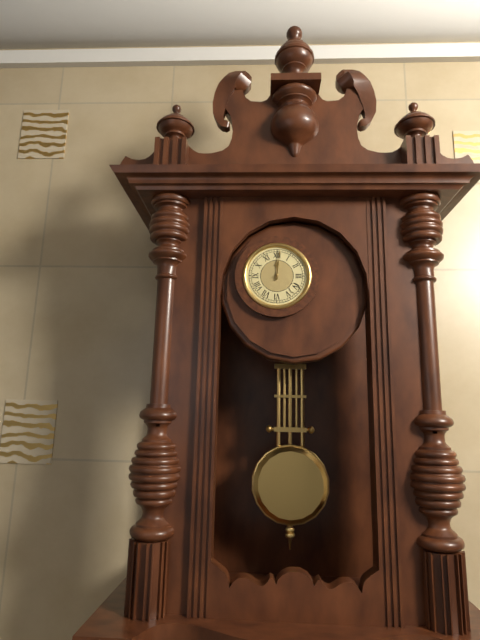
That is 12,01
